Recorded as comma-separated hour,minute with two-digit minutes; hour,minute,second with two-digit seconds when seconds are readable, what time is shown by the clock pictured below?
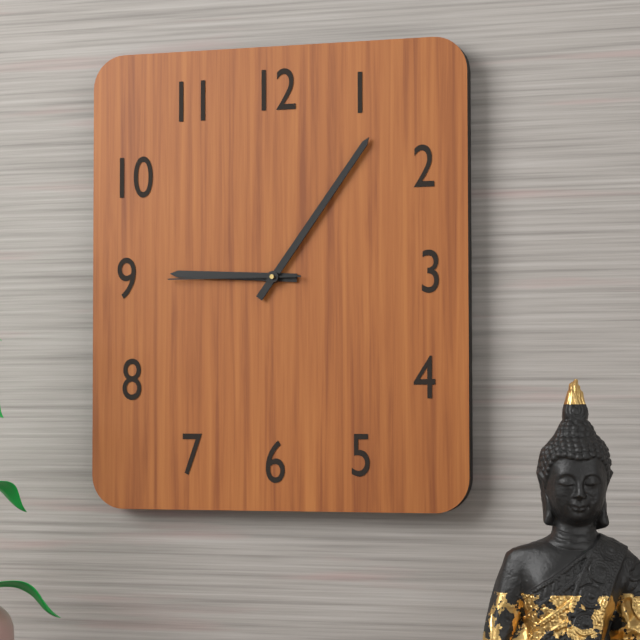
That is 9,06,45
